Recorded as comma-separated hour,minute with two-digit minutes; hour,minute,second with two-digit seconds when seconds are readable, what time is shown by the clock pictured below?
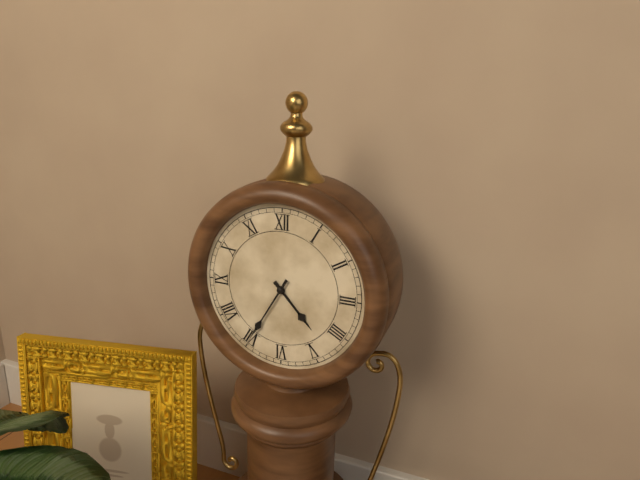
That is 4,35
